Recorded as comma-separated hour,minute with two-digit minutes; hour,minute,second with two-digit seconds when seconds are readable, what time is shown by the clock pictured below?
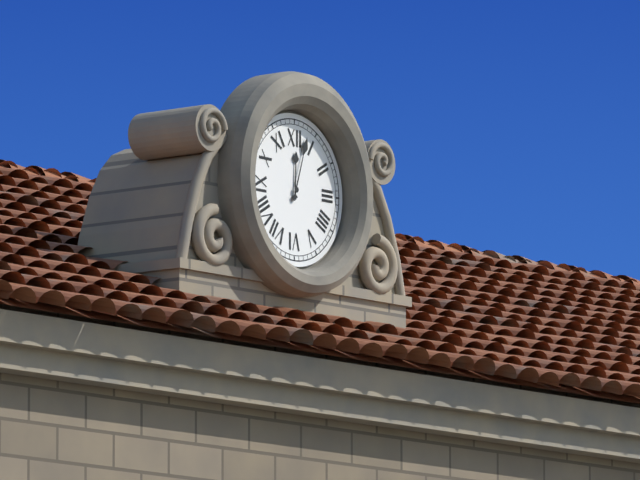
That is 12,03
